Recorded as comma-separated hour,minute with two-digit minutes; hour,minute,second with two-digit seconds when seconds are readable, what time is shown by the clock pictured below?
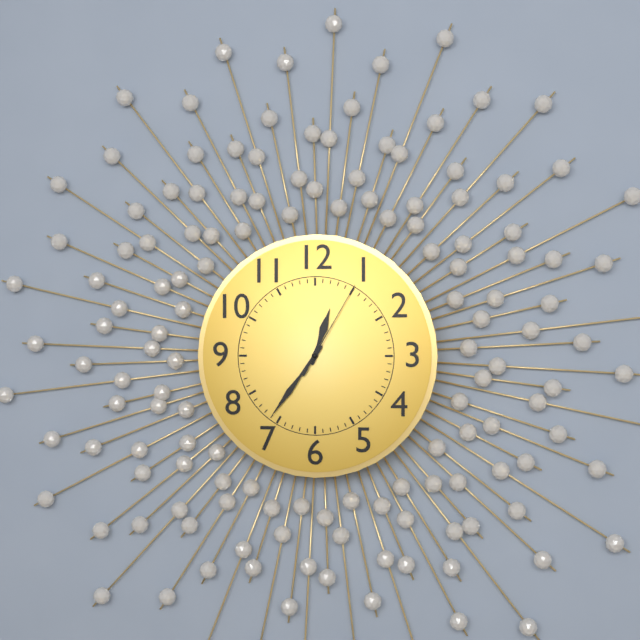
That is 12,36,05
